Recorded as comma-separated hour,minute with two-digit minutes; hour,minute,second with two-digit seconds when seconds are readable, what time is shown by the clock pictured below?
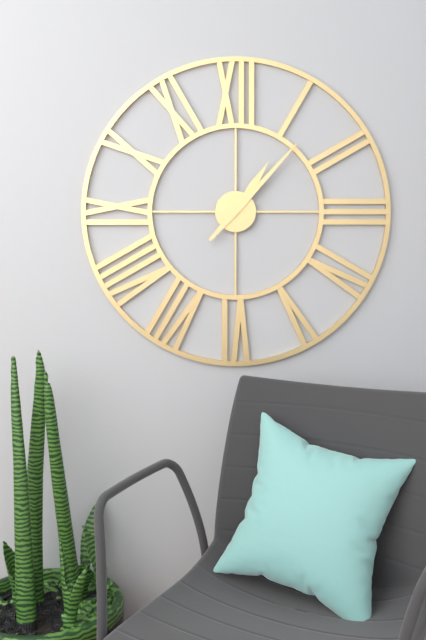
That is 1,07
